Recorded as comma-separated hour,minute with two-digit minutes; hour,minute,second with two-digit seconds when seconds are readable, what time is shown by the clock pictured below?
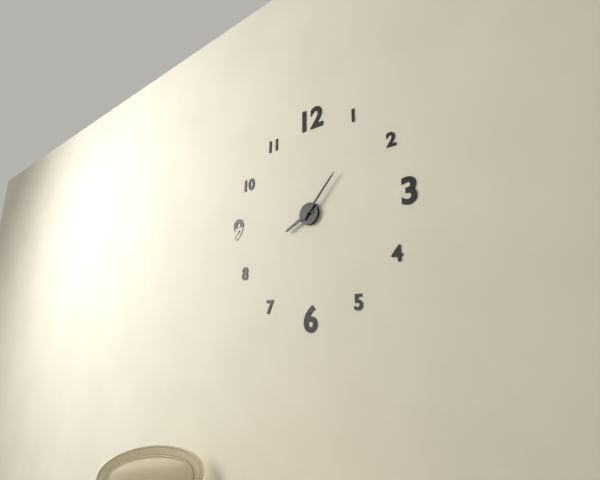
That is 8,07
